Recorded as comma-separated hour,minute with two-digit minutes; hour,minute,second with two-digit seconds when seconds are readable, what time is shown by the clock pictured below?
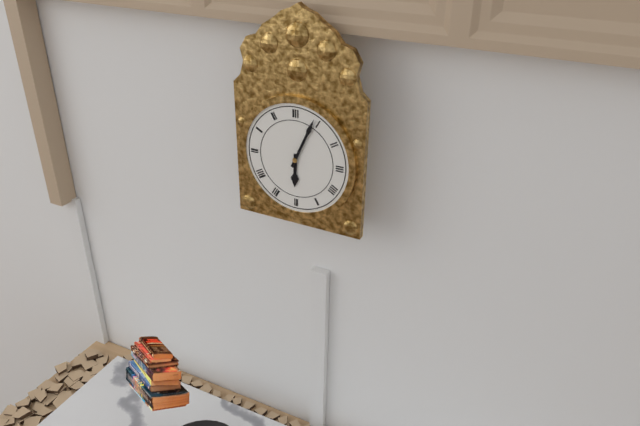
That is 6,04
